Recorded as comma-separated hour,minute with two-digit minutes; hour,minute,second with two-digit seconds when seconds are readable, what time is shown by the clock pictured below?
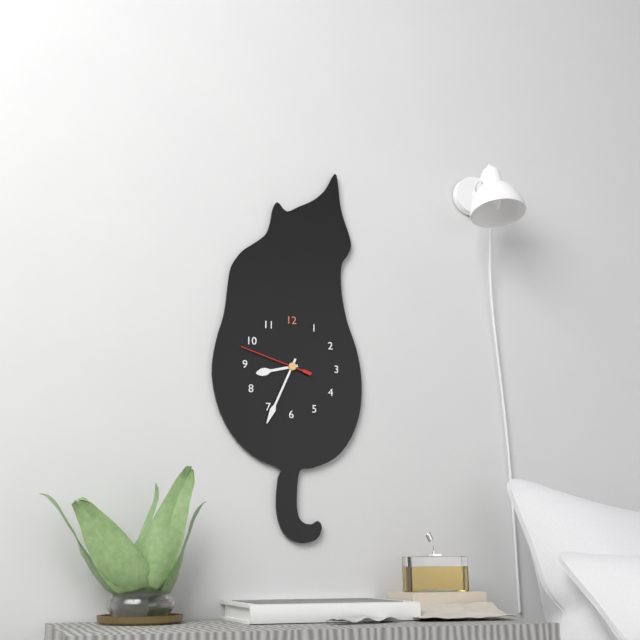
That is 8,34,48
